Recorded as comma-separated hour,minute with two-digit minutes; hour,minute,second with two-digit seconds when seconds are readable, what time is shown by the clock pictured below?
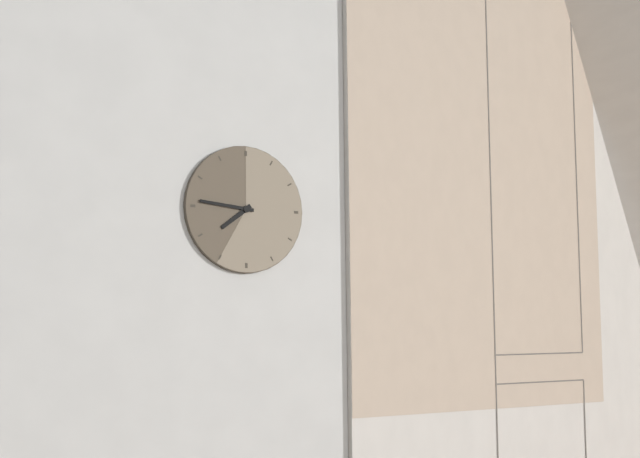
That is 7,46
